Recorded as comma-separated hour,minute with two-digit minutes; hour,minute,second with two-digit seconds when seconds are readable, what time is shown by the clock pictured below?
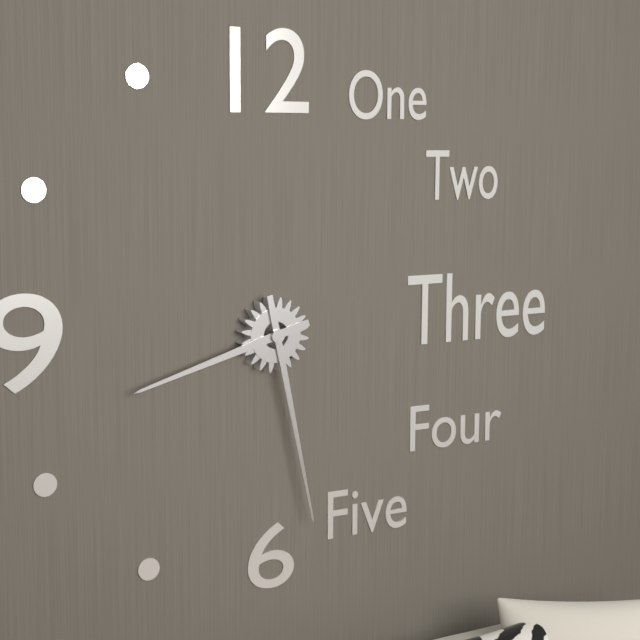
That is 8,28
